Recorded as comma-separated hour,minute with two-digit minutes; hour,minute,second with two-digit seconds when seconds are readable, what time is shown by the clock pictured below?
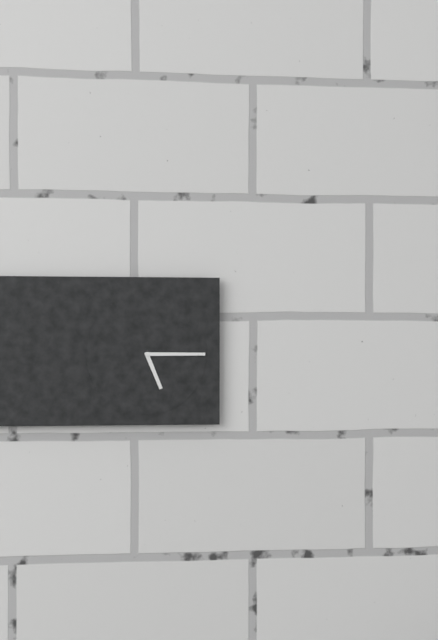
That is 5,15
